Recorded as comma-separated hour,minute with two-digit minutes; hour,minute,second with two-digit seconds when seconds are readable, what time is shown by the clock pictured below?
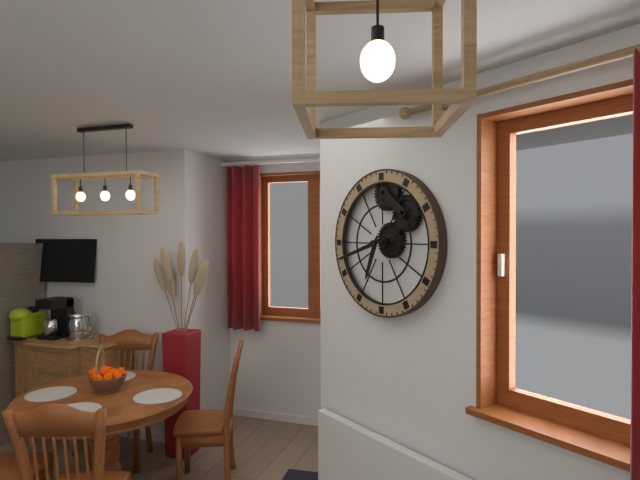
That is 6,42
